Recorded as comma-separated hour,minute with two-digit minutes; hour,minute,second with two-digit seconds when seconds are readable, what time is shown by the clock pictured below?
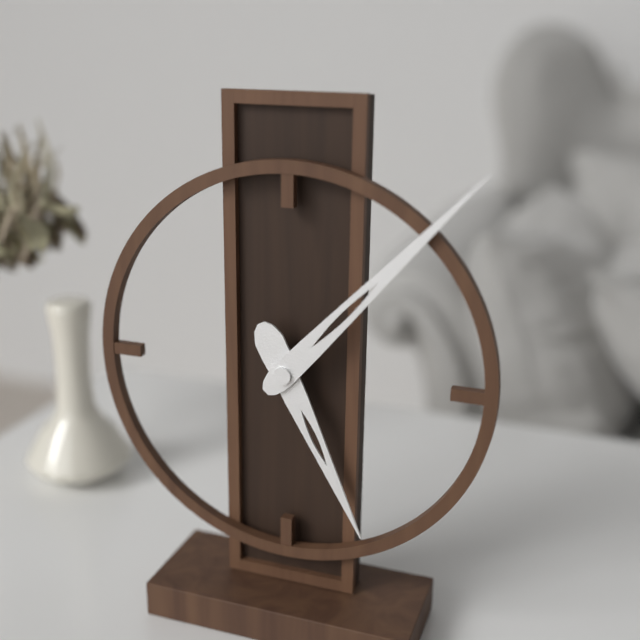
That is 5,07
